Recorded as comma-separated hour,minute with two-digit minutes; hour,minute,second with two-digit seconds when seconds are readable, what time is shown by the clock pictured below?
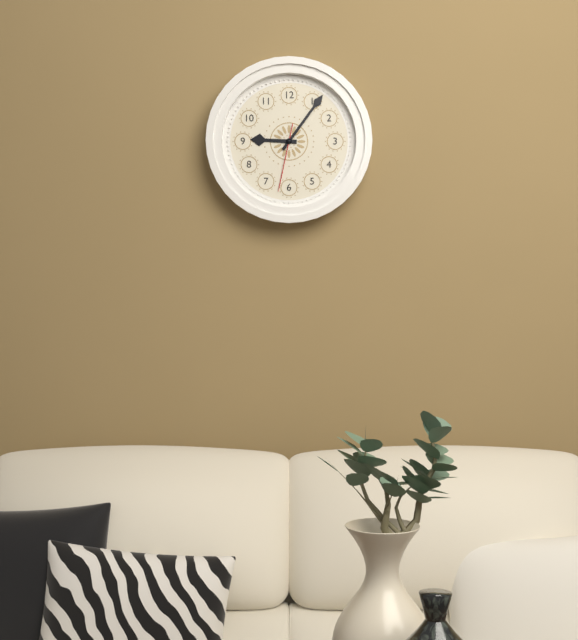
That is 9,06,32
